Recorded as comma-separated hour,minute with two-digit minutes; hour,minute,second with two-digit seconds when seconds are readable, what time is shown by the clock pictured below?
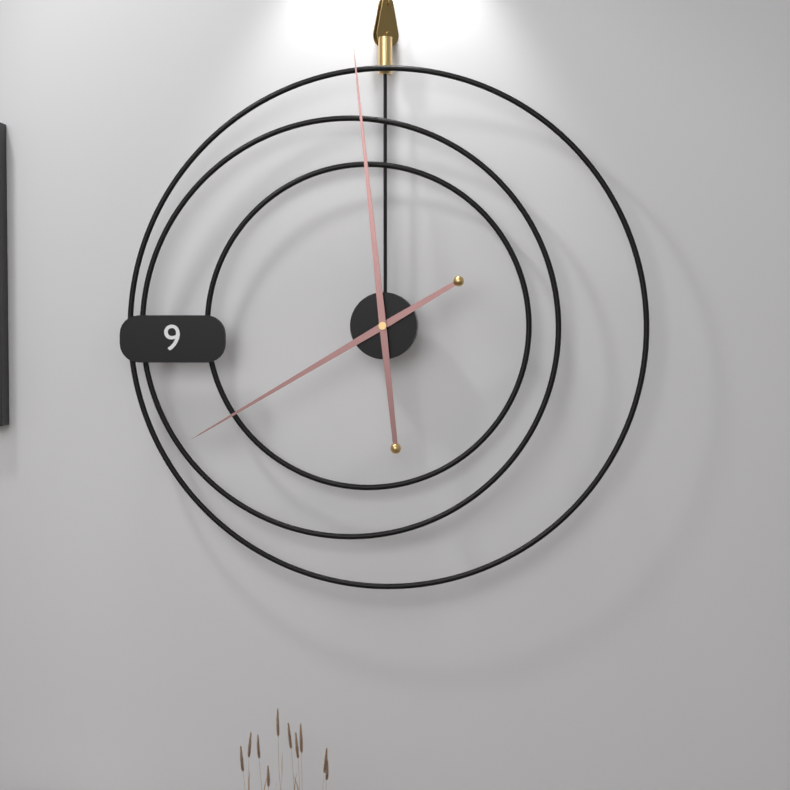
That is 7,59
